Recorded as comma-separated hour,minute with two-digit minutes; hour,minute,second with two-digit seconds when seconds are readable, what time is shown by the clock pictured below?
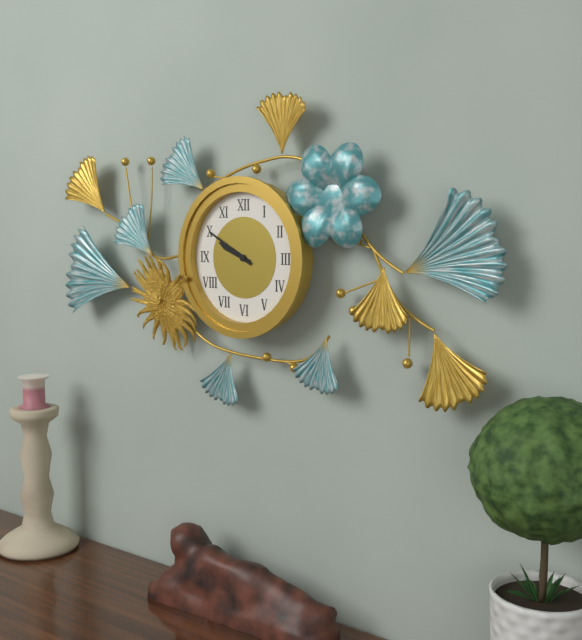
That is 9,50
